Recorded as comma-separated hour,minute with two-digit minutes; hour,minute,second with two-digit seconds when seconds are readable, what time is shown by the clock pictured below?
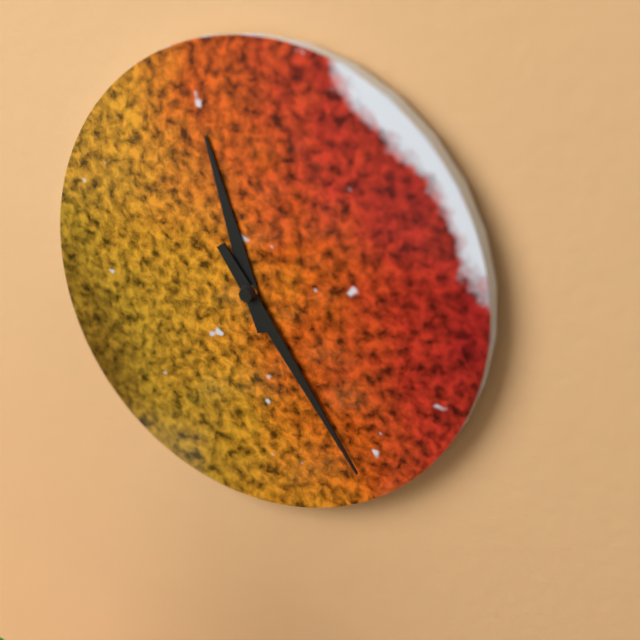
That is 11,24
